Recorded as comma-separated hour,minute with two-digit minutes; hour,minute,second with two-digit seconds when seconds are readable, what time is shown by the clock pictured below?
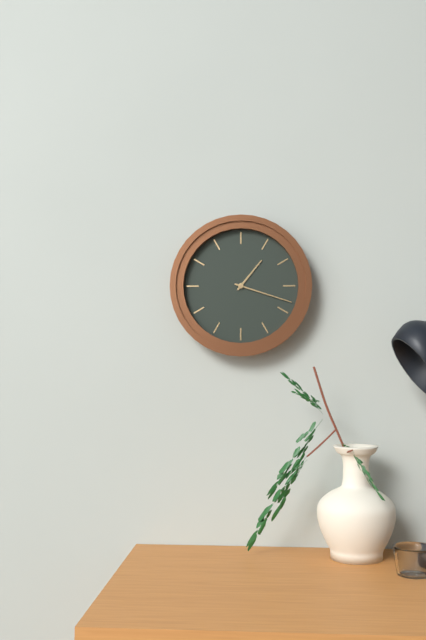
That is 1,18
